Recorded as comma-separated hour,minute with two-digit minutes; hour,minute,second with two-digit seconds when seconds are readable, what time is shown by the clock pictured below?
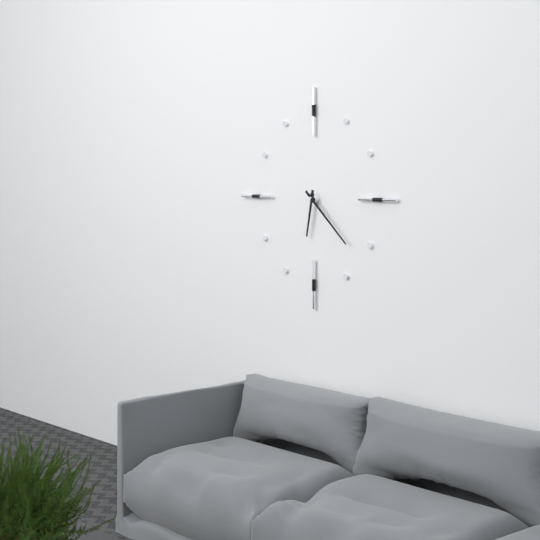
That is 6,22
